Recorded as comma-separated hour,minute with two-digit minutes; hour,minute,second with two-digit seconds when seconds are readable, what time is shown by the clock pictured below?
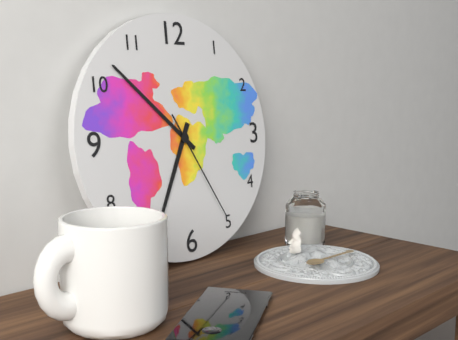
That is 6,52,25
